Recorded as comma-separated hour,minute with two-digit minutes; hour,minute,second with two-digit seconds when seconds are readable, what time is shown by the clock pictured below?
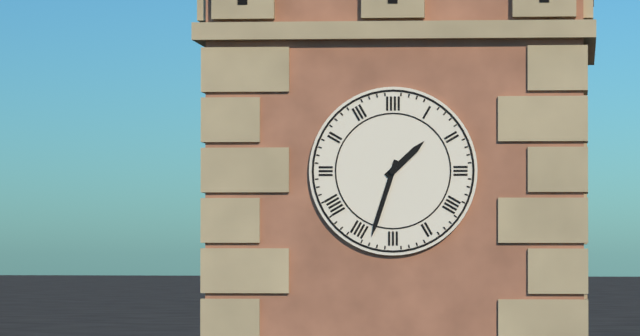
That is 1,33
